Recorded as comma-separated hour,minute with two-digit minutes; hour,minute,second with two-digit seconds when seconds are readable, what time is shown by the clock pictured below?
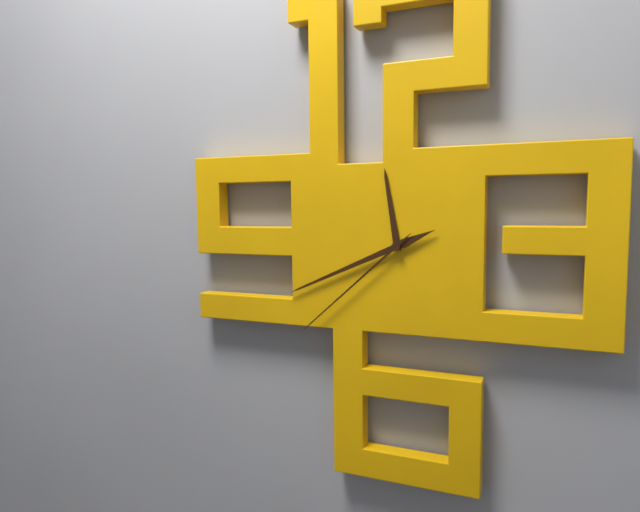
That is 11,41,38
